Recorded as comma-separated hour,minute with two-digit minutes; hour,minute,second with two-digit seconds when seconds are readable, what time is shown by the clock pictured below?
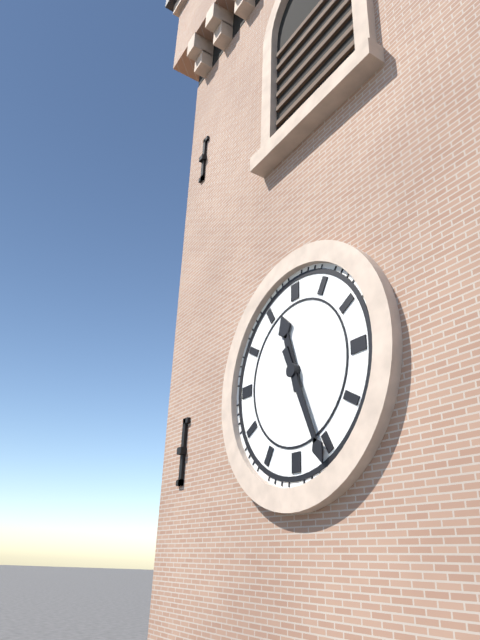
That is 11,26
